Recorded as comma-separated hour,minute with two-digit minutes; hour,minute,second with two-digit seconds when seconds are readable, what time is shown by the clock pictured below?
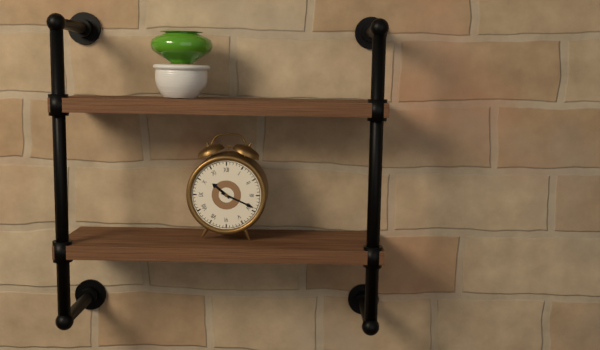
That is 10,19
